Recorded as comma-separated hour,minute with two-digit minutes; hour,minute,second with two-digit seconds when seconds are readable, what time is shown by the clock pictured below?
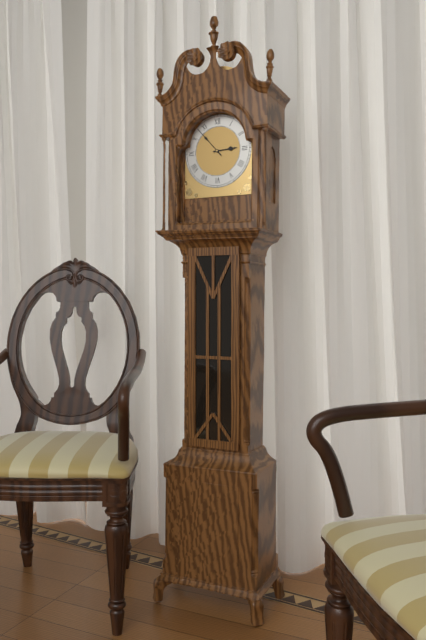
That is 2,53
